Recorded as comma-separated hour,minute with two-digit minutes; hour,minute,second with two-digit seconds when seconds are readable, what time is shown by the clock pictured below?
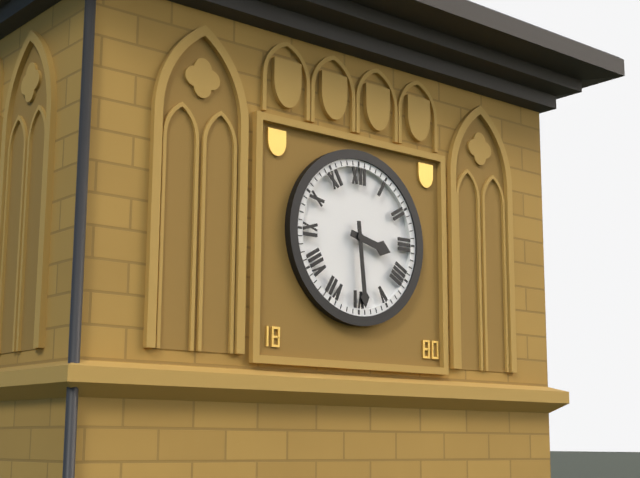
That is 3,29
